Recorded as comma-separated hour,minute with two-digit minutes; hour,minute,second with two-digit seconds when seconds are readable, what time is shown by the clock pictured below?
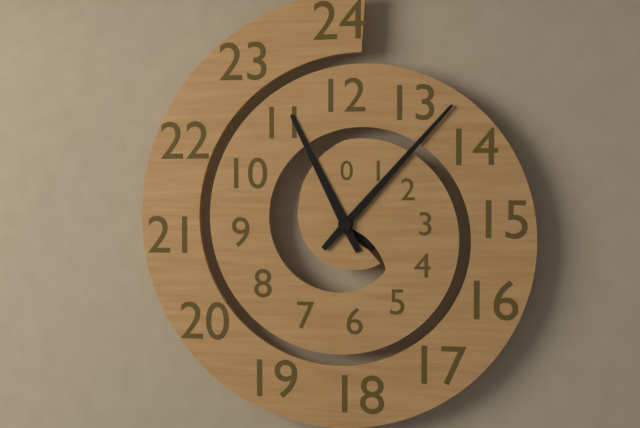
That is 11,07
